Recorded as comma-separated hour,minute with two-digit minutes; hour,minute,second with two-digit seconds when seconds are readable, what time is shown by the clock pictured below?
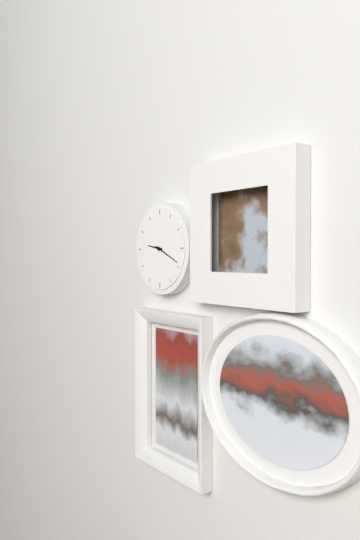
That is 9,19
